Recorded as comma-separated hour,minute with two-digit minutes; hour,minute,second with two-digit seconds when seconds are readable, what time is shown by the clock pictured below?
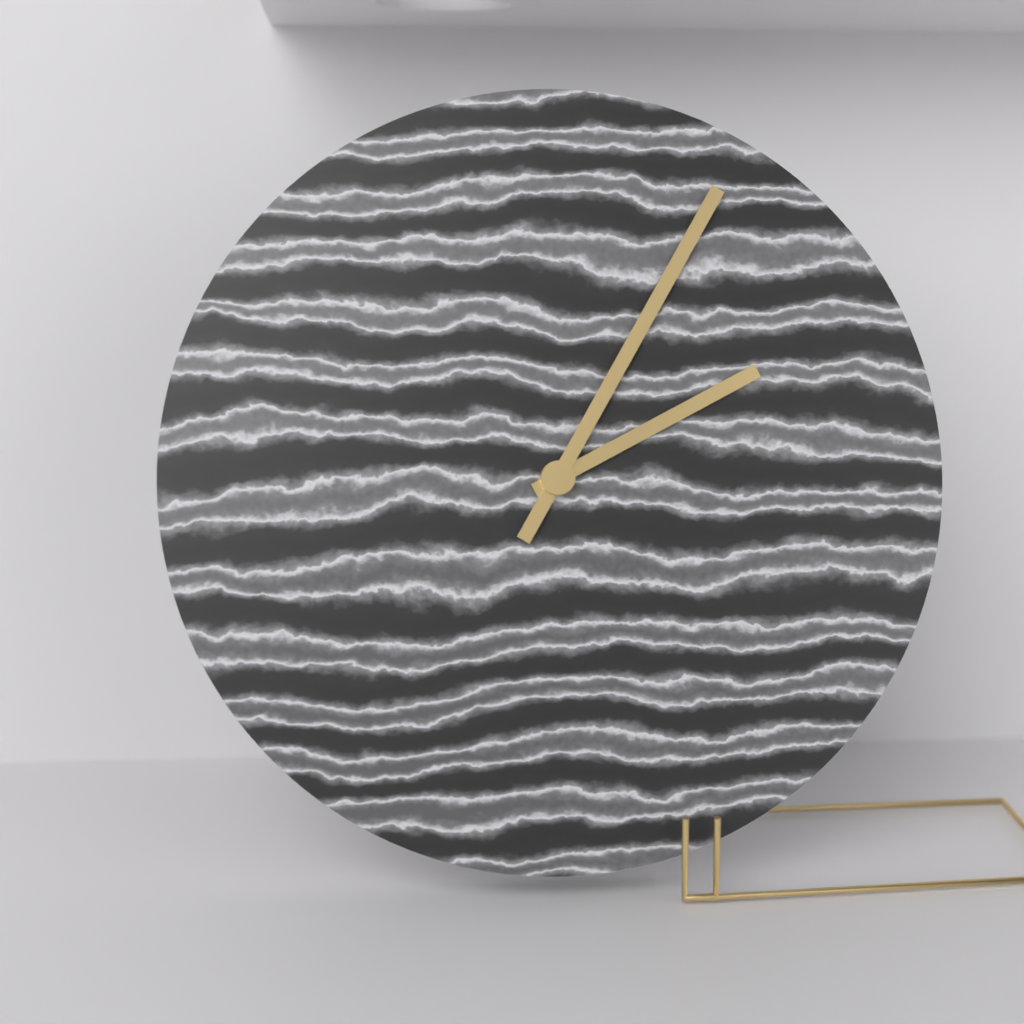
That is 2,05
